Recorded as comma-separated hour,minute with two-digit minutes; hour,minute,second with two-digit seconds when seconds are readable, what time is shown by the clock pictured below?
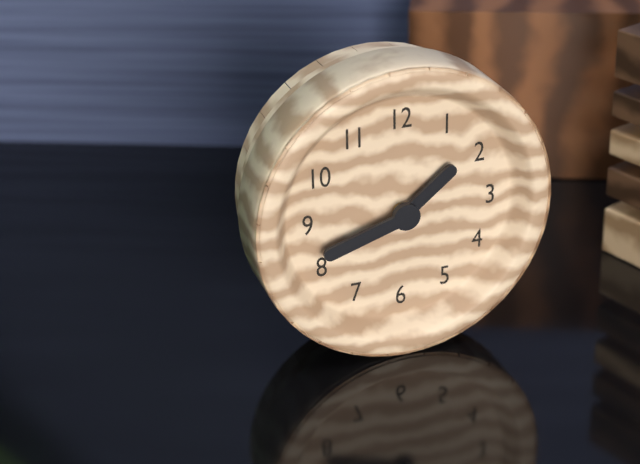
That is 1,42
